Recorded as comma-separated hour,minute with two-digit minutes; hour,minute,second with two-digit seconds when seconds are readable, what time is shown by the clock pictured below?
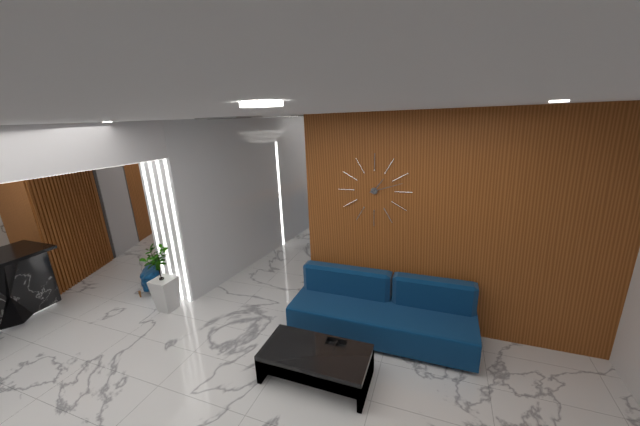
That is 1,12
